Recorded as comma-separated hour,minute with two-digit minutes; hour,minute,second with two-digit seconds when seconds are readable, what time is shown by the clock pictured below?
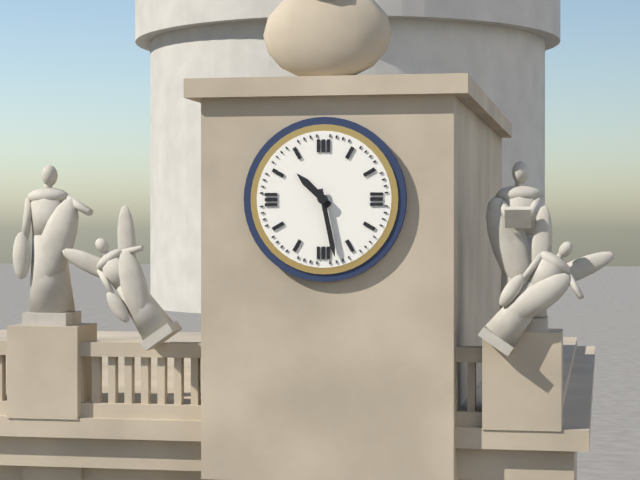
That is 10,28
